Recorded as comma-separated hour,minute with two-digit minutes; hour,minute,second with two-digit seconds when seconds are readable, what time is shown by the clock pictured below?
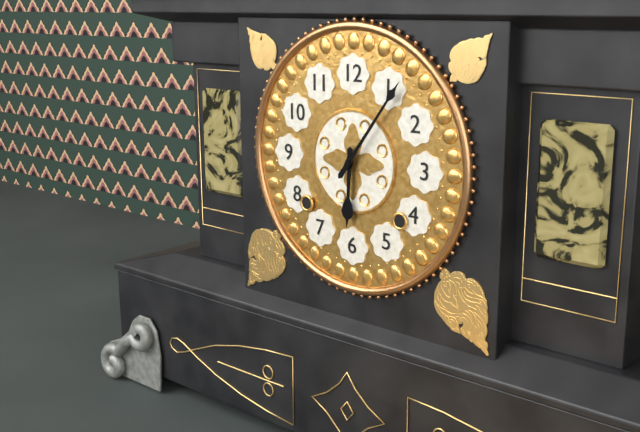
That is 6,06
